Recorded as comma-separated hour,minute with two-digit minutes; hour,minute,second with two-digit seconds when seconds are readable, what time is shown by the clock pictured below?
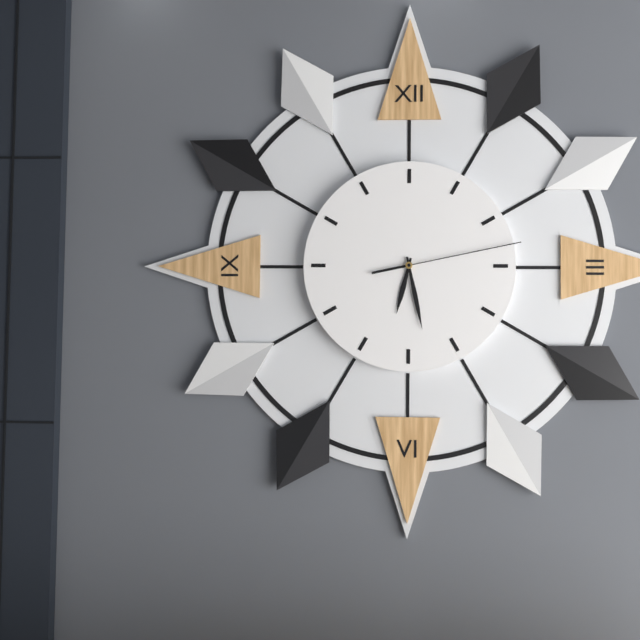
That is 6,28,13
